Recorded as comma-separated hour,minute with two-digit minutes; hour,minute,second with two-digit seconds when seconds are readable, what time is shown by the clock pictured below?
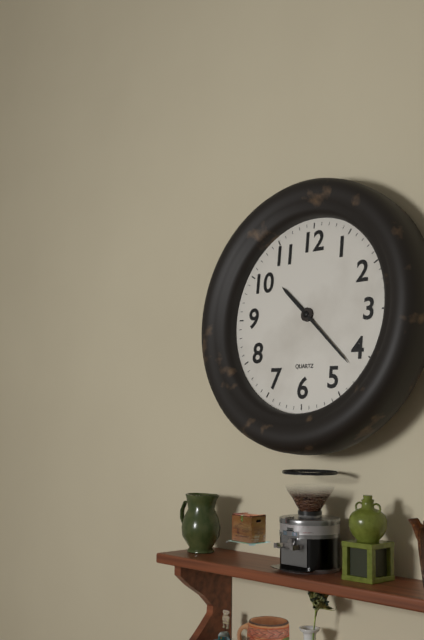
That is 10,22
